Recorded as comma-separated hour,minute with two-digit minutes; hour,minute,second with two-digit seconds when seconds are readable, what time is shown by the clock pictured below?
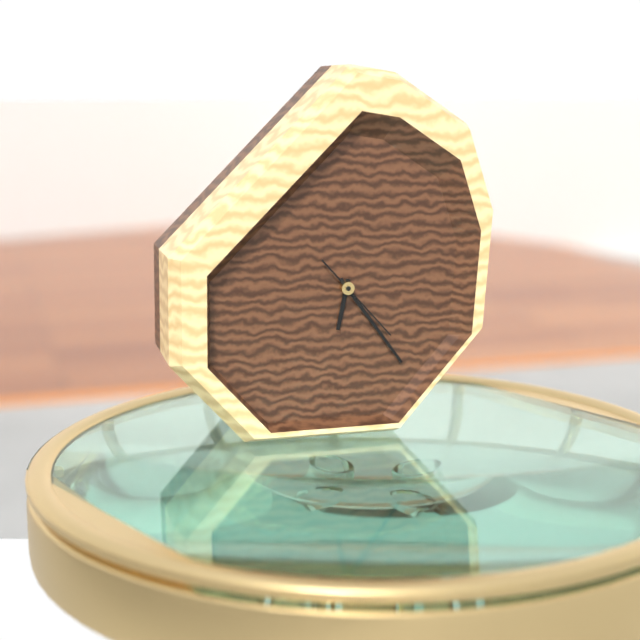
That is 6,24,23
